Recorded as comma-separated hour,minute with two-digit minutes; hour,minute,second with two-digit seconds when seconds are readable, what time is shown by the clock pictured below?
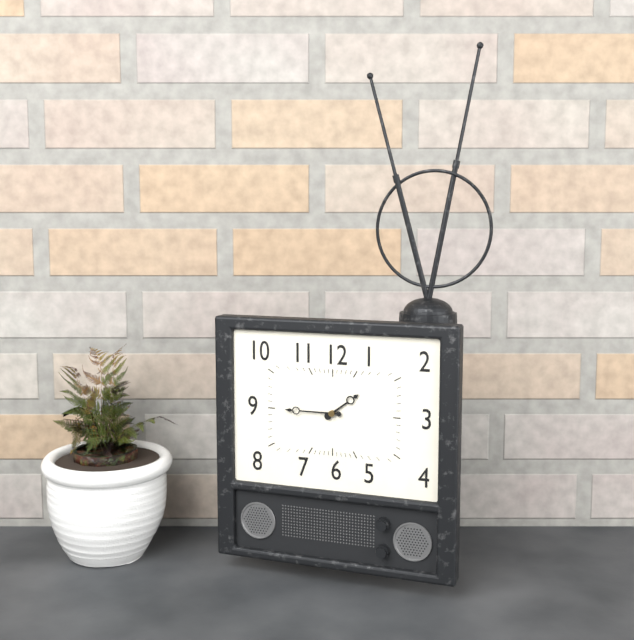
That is 1,45
